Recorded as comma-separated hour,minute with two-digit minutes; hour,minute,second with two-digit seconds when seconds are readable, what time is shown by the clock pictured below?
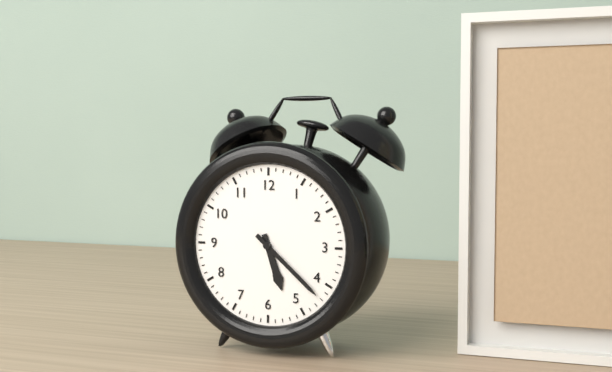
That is 5,22
